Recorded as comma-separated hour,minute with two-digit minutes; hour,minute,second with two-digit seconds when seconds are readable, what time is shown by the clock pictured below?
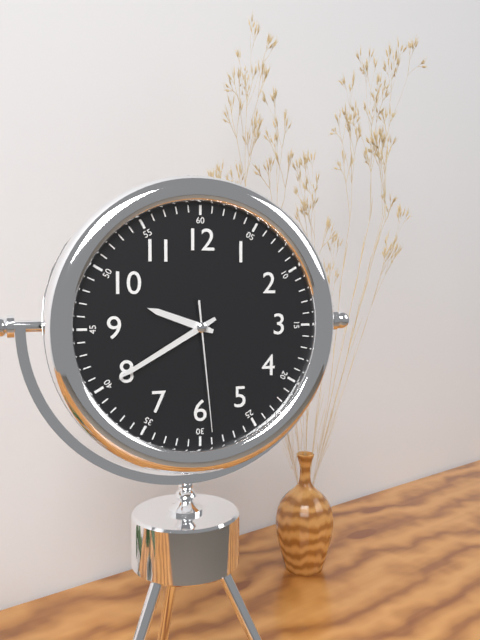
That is 9,40,29
